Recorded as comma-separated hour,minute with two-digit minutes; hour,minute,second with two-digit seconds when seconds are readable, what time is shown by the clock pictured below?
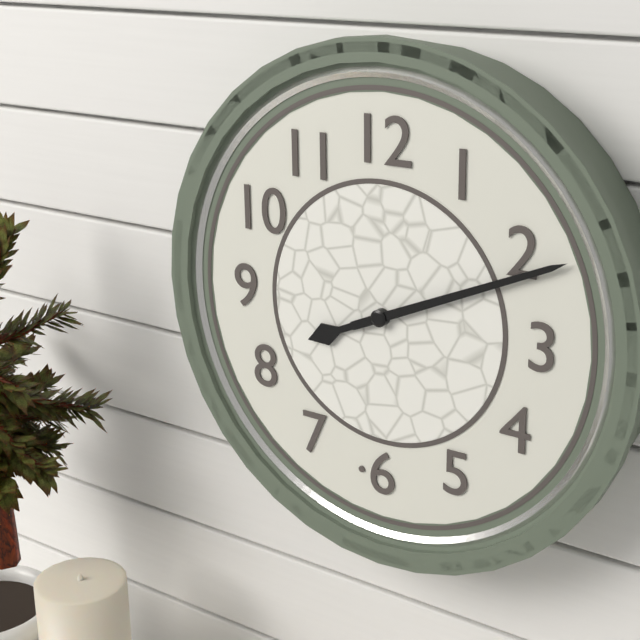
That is 8,11
